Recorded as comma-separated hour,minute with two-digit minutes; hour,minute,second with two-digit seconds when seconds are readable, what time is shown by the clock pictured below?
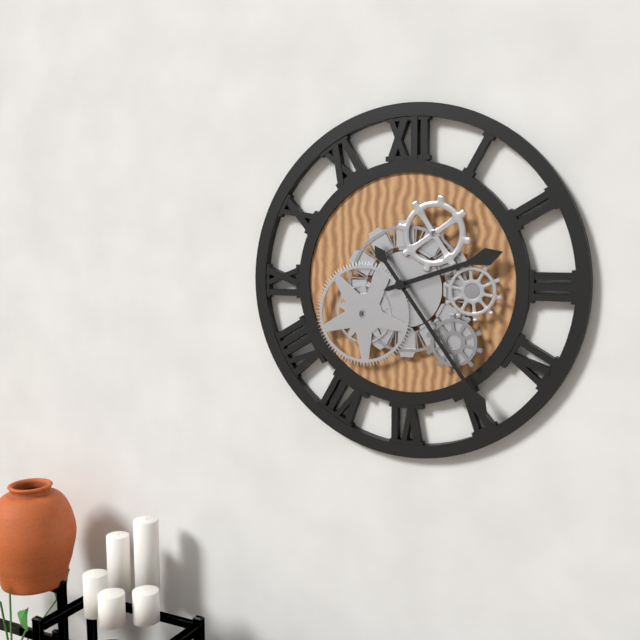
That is 2,24
